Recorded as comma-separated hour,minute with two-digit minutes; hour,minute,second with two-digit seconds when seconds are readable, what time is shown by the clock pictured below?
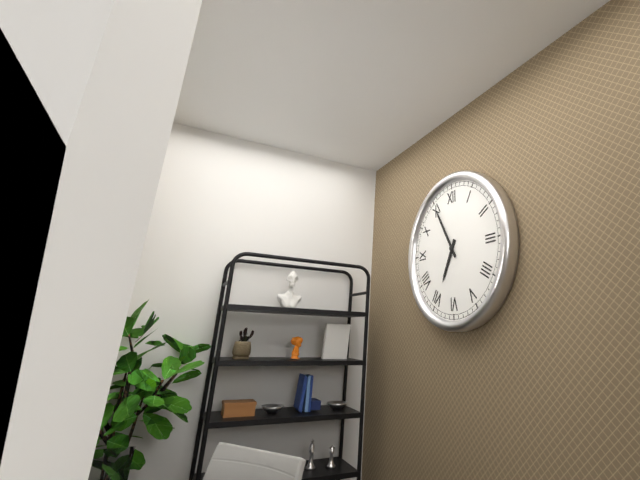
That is 6,55
